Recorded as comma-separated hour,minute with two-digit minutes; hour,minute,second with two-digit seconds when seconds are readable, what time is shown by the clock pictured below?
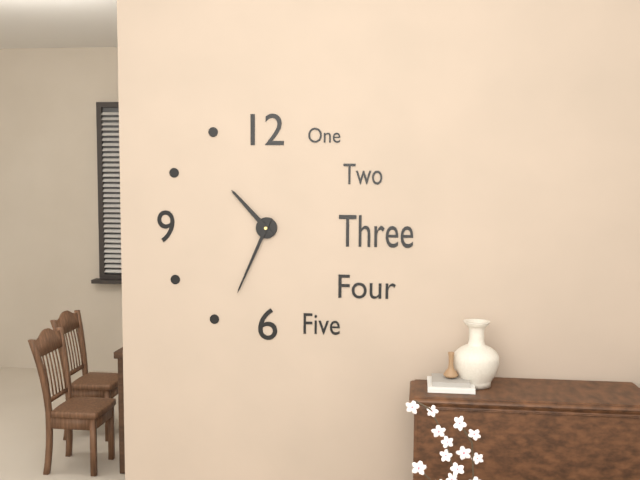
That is 10,34
